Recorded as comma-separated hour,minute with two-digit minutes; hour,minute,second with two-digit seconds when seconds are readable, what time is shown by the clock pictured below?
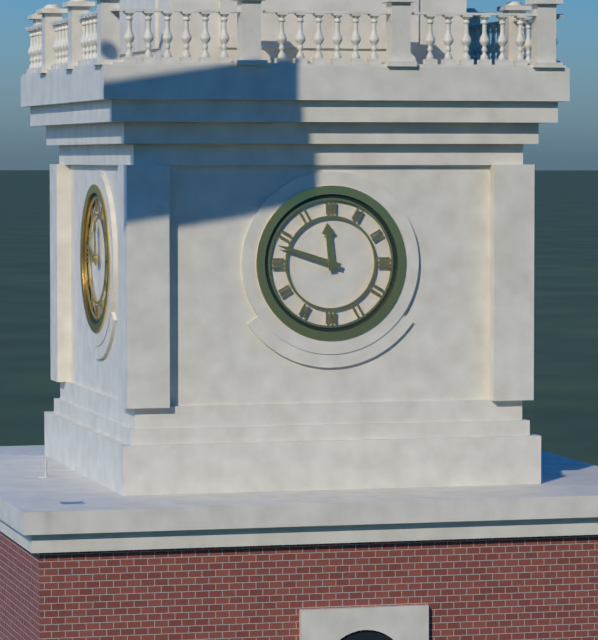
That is 11,48
